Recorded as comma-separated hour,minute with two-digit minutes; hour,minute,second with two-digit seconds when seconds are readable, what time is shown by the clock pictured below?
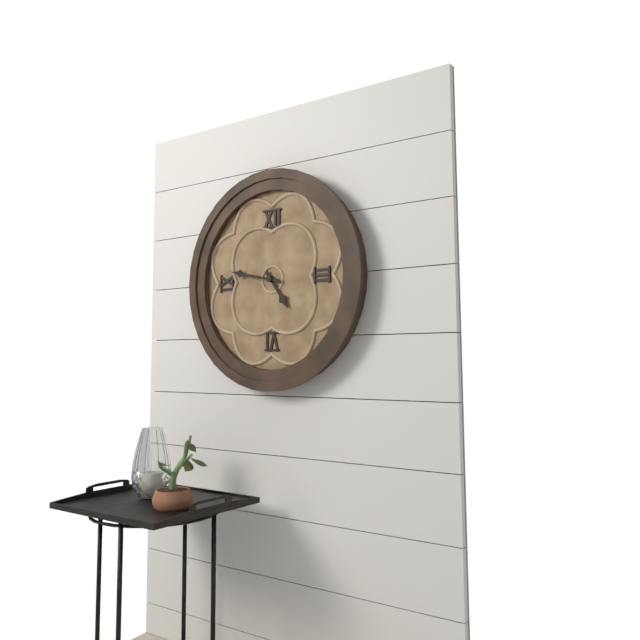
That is 4,47
